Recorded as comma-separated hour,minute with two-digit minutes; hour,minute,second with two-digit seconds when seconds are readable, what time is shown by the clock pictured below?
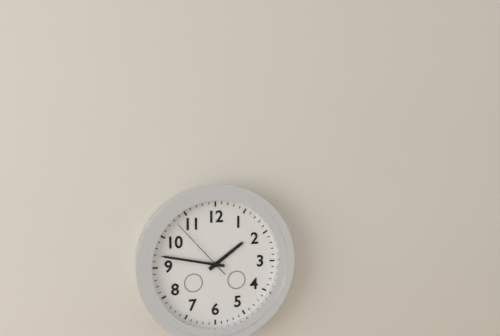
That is 1,47,53
